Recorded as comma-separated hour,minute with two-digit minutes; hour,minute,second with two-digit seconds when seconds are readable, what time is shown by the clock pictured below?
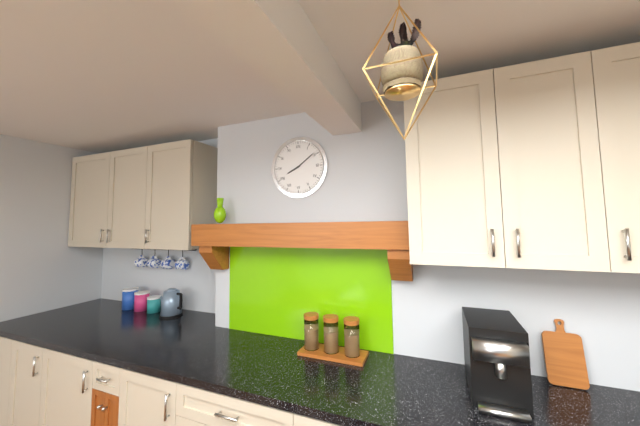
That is 8,09
